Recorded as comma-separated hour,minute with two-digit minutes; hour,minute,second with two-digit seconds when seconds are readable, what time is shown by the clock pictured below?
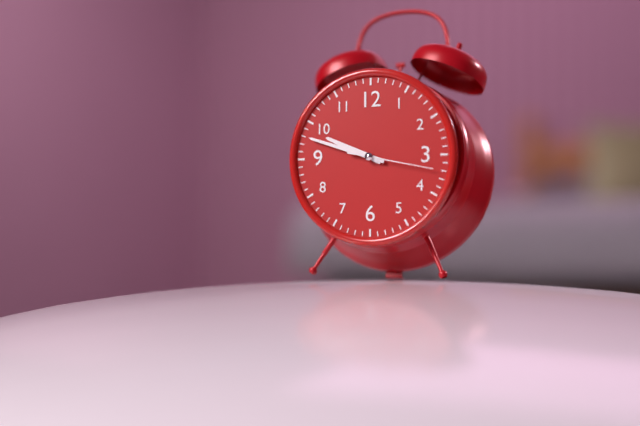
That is 9,48,17
